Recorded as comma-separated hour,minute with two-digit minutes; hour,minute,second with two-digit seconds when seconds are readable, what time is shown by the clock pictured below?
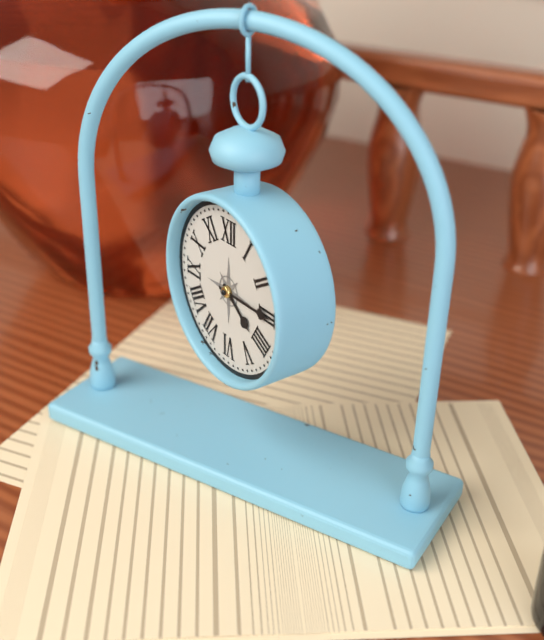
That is 4,15
